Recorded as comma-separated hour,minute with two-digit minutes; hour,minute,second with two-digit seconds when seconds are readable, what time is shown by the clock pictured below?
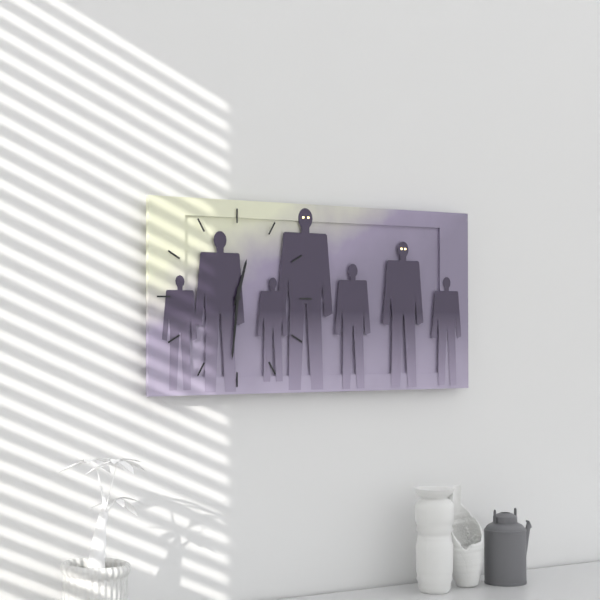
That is 12,31
